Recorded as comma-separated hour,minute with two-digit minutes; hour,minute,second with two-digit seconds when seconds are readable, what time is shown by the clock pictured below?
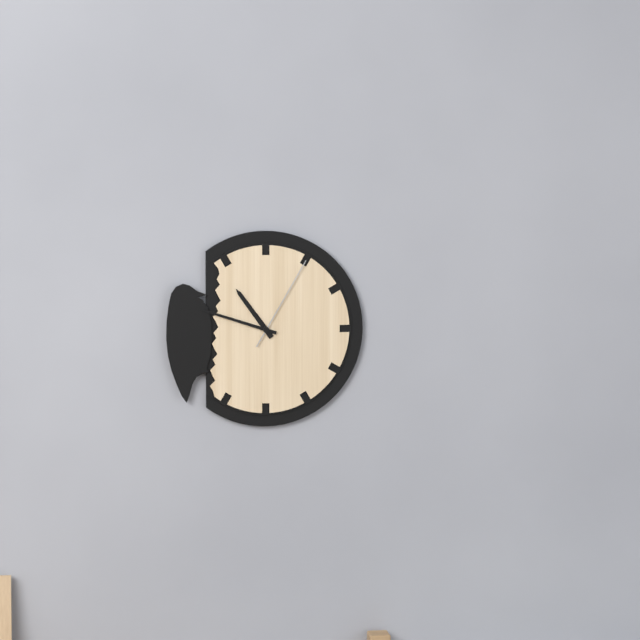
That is 10,48,05
